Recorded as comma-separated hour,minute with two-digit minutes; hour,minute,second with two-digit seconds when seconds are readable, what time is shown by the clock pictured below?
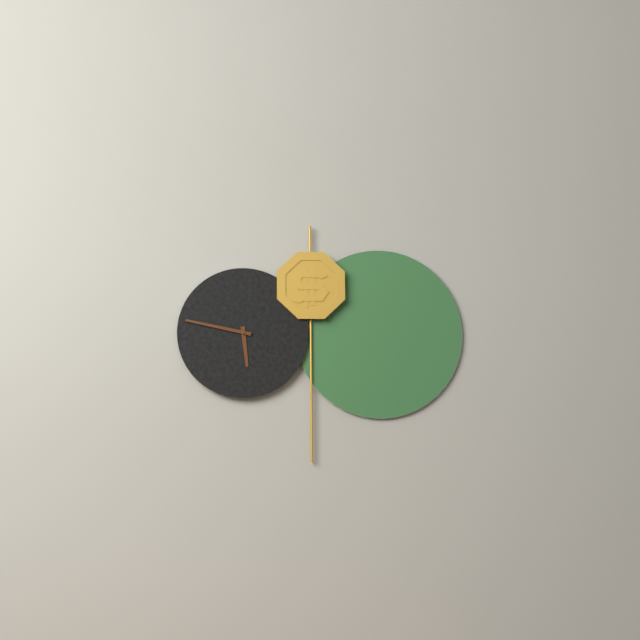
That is 5,47
